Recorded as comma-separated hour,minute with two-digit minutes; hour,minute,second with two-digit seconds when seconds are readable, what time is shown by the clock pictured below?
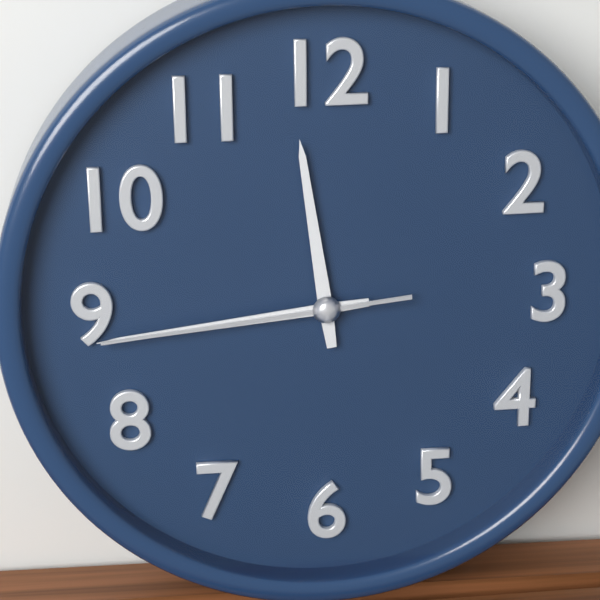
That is 11,44,44
